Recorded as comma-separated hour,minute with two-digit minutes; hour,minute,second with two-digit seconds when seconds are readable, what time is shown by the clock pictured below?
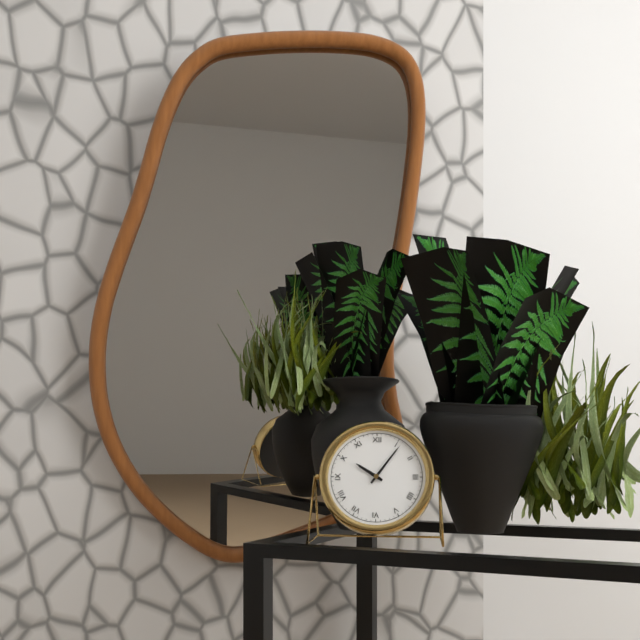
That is 10,06
